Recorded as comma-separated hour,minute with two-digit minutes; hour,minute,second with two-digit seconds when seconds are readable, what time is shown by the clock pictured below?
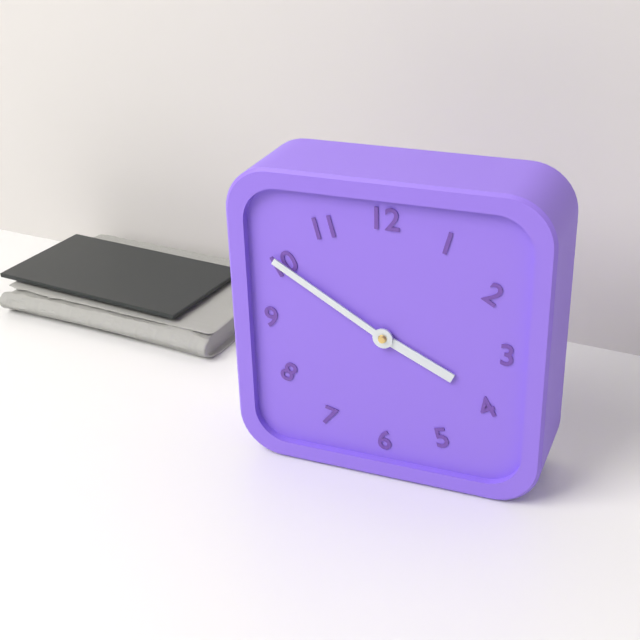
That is 3,50
